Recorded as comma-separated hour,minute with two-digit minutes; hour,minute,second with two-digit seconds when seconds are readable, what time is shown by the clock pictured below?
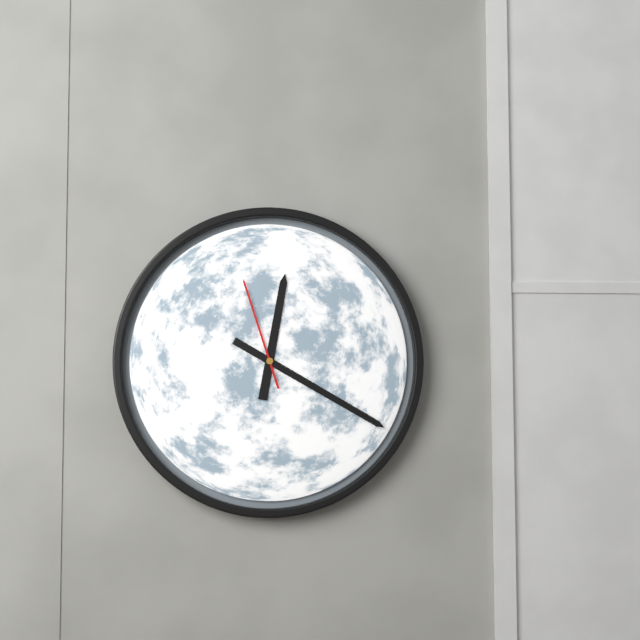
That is 12,20,57
